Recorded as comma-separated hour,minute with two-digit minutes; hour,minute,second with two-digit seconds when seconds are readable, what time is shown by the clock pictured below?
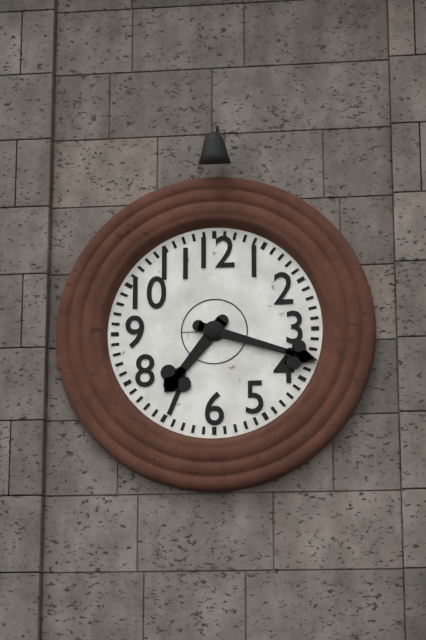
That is 7,18
